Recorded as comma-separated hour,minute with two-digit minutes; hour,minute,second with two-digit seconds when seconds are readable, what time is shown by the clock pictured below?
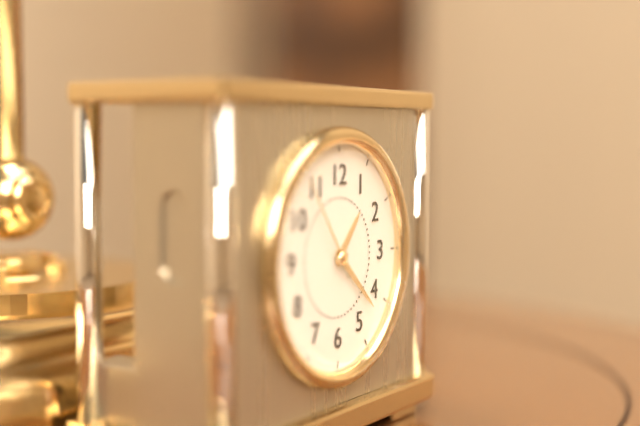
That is 1,22,54
